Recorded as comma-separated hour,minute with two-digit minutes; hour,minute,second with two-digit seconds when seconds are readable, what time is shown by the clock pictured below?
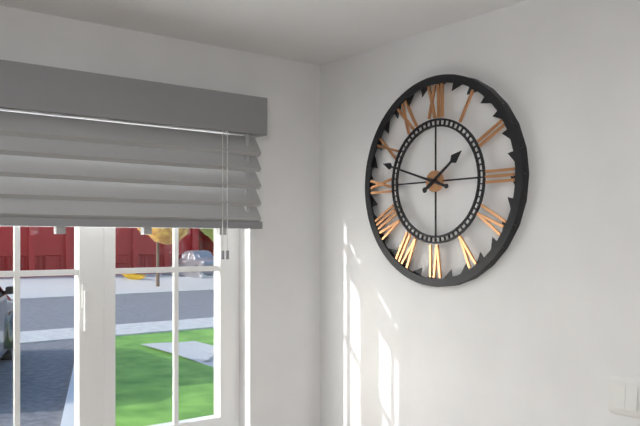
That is 1,48
